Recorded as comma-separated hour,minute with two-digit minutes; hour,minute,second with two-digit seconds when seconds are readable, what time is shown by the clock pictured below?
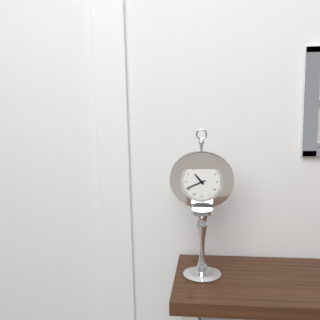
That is 10,41
